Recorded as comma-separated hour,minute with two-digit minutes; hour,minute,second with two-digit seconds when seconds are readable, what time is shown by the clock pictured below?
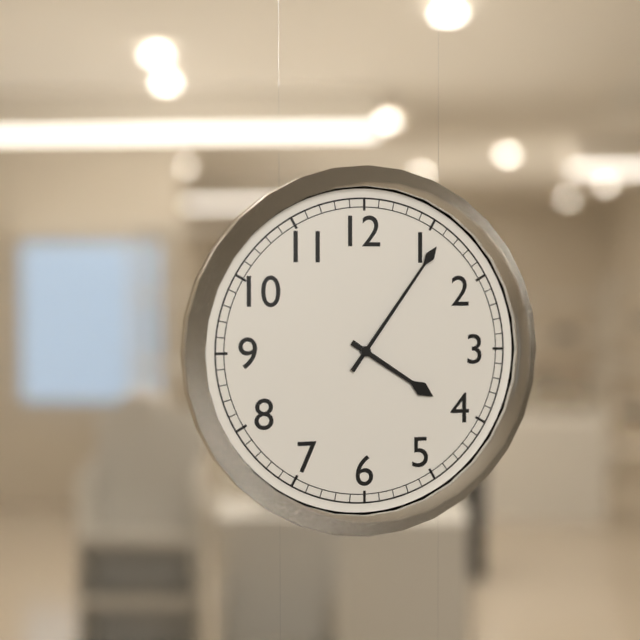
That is 4,06
